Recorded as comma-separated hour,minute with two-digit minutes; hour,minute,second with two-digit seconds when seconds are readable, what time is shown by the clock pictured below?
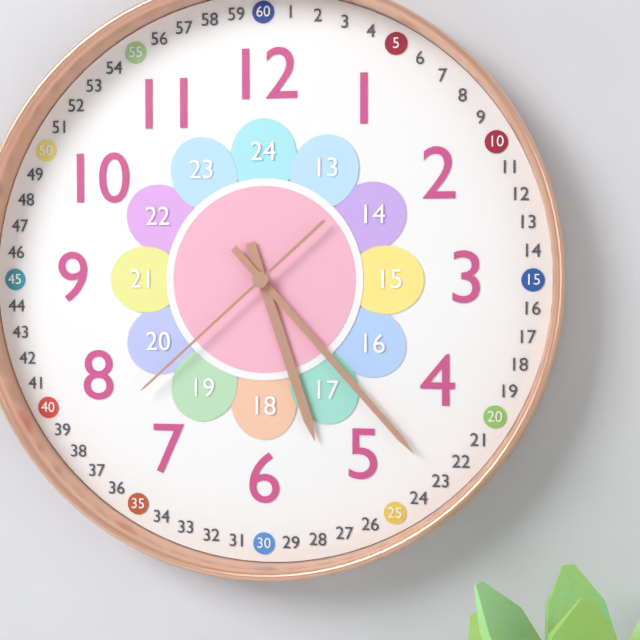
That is 5,23,38
